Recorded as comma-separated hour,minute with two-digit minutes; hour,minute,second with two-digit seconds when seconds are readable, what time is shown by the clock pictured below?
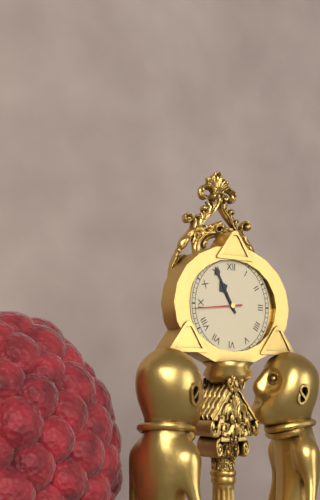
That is 10,55
